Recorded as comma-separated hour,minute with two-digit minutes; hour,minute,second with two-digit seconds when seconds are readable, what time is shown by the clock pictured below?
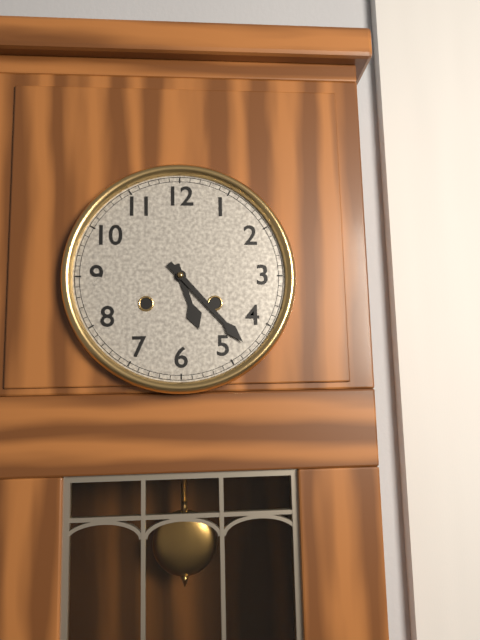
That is 5,23
